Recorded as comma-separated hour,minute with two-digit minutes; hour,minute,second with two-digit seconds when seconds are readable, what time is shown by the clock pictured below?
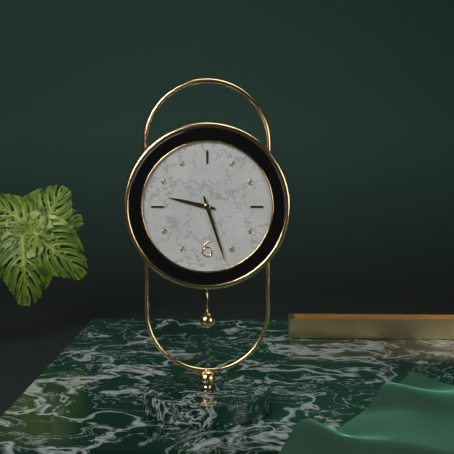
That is 9,27
